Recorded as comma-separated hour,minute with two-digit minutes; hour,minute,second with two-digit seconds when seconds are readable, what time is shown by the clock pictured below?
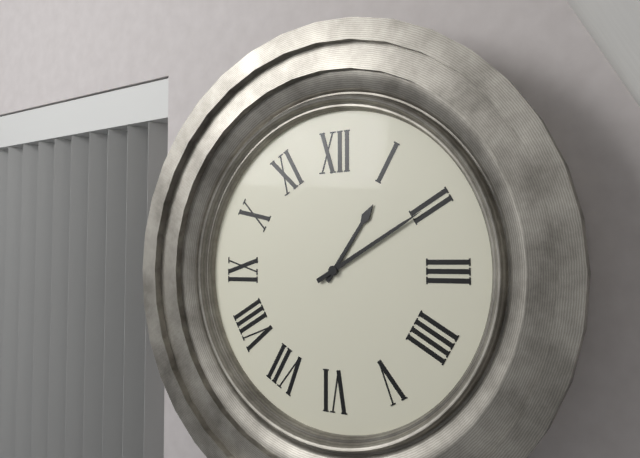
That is 1,10
